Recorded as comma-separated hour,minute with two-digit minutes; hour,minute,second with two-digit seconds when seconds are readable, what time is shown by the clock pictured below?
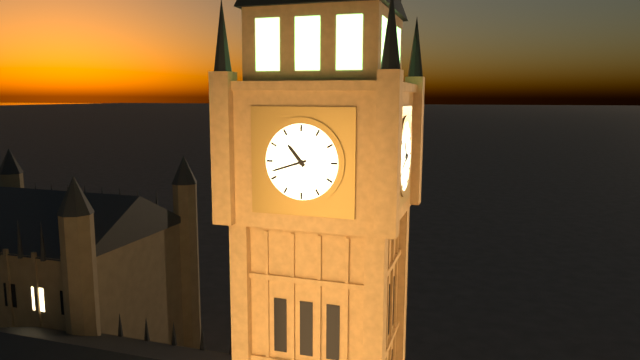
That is 10,42
